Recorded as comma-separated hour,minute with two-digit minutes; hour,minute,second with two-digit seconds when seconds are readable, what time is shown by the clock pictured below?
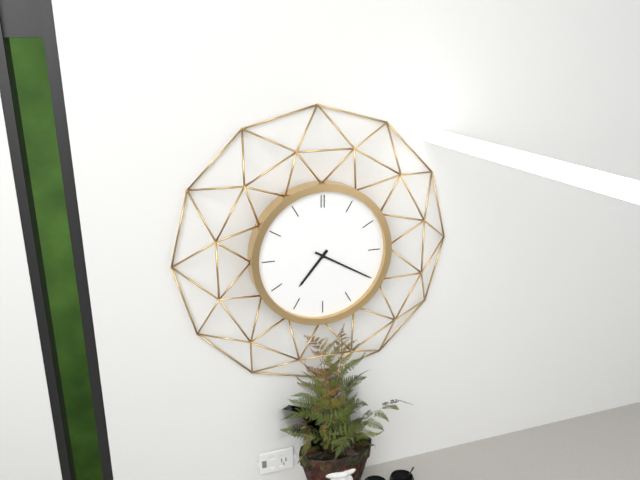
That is 7,20
